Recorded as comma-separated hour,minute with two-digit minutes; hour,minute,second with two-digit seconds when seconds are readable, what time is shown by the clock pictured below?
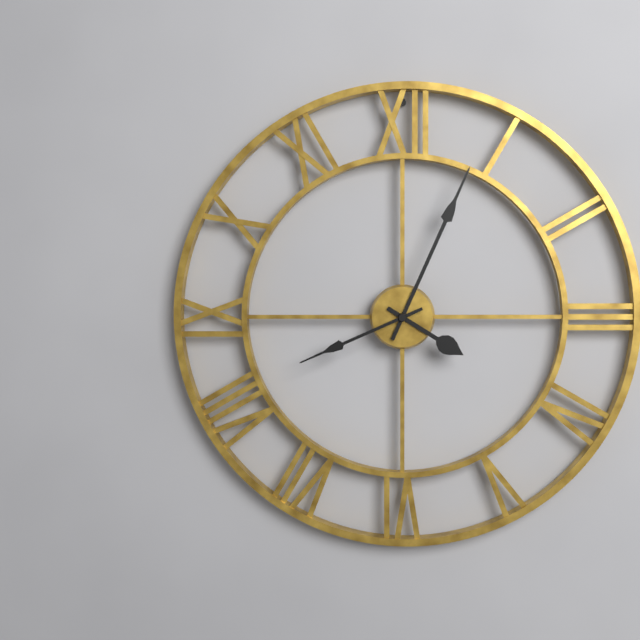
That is 4,04,41
